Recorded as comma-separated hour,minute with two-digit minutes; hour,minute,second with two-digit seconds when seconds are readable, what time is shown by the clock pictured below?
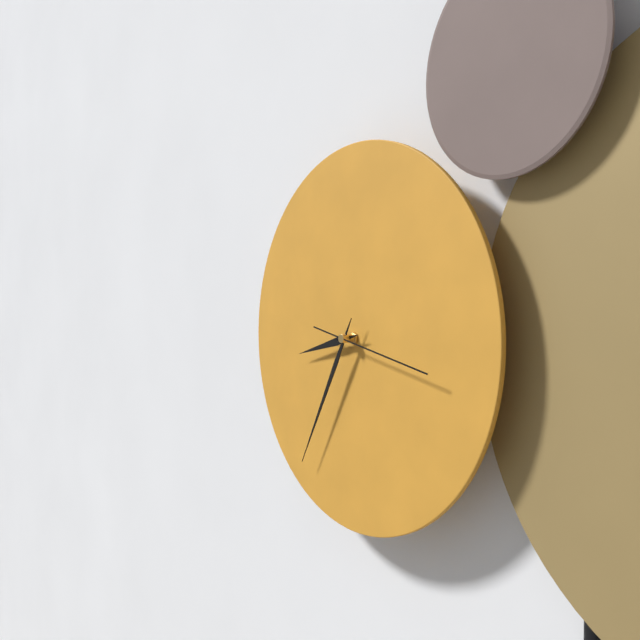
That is 8,35,17
